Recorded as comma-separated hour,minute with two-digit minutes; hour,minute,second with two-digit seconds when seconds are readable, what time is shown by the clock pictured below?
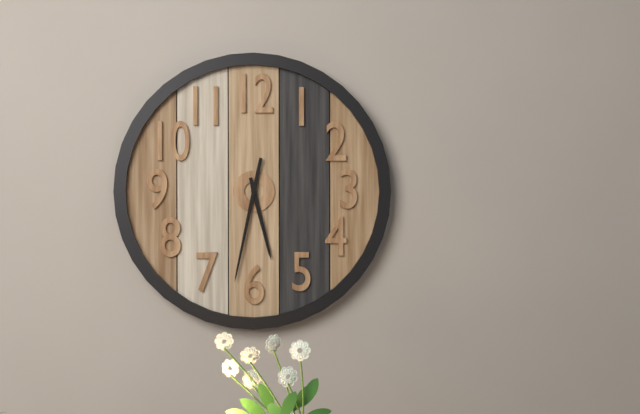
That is 5,32
